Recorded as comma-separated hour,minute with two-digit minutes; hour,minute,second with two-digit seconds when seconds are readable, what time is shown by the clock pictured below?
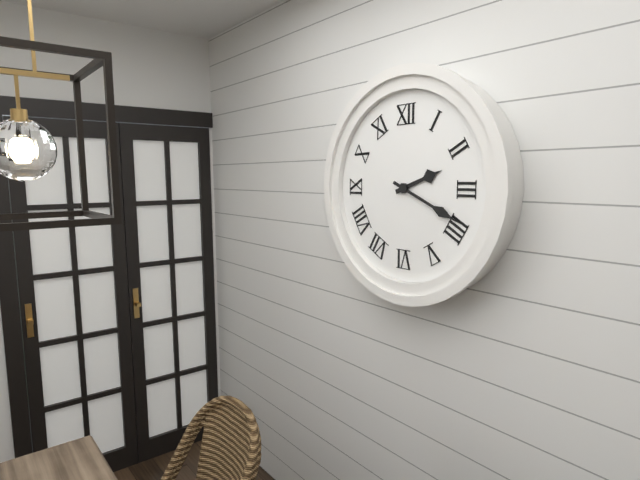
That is 2,19
